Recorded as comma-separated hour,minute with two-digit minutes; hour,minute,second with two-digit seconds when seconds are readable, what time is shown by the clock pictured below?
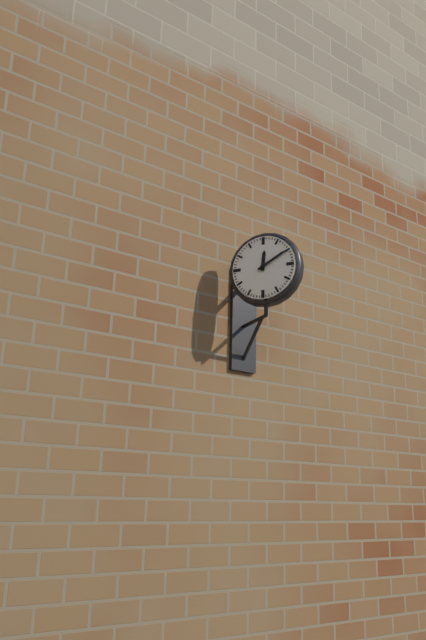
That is 12,10
